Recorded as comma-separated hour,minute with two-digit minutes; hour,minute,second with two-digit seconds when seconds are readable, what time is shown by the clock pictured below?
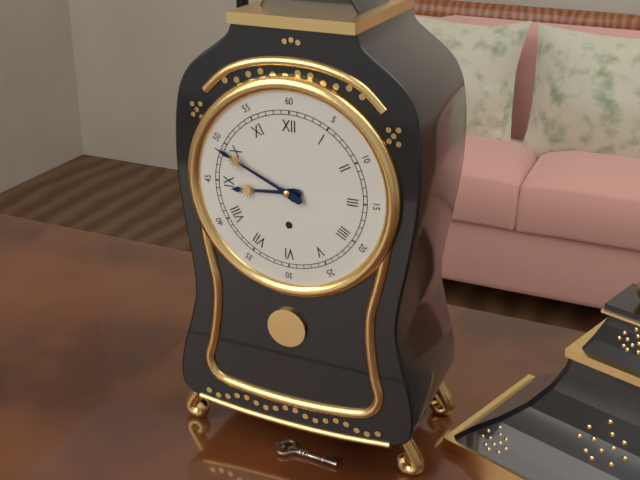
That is 8,49
